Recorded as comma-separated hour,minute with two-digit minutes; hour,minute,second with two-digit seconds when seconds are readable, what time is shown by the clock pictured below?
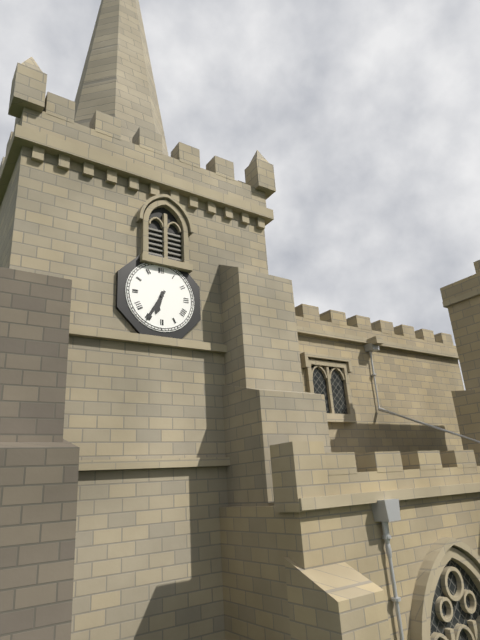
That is 6,35
